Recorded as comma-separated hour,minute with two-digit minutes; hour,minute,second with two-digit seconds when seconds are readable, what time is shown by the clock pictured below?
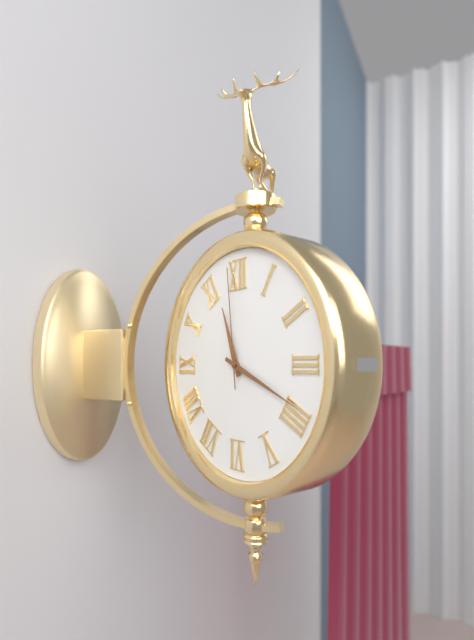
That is 11,19,59
